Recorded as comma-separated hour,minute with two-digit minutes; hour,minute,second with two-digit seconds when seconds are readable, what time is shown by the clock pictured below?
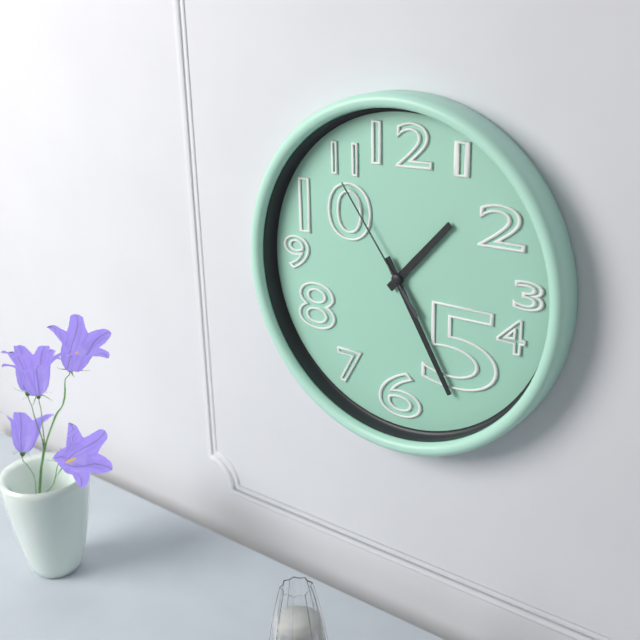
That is 1,25,54
